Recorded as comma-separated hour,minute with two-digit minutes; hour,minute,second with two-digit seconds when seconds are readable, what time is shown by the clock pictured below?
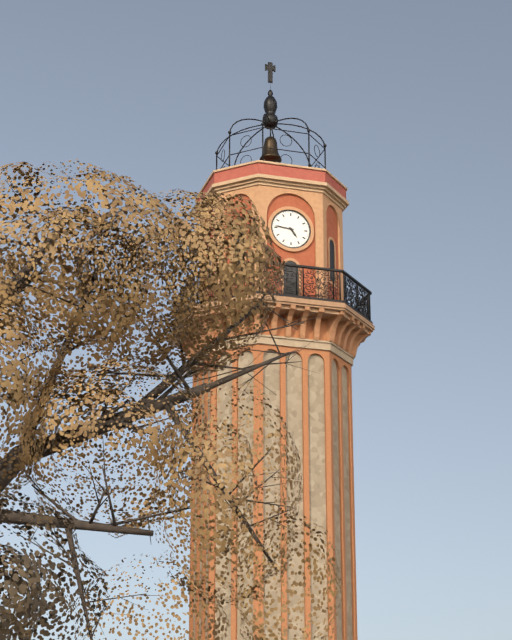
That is 4,46
